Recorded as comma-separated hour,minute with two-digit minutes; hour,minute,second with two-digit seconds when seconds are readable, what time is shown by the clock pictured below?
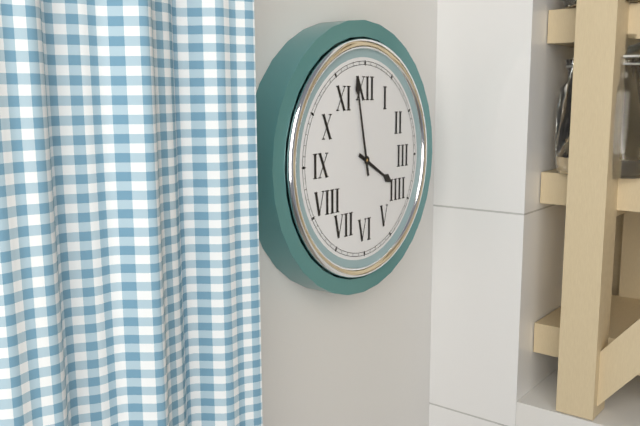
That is 3,58
